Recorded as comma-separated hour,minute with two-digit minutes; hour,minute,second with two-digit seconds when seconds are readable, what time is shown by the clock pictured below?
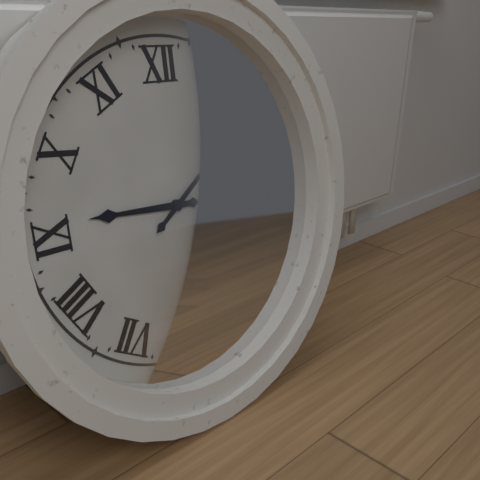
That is 9,09
